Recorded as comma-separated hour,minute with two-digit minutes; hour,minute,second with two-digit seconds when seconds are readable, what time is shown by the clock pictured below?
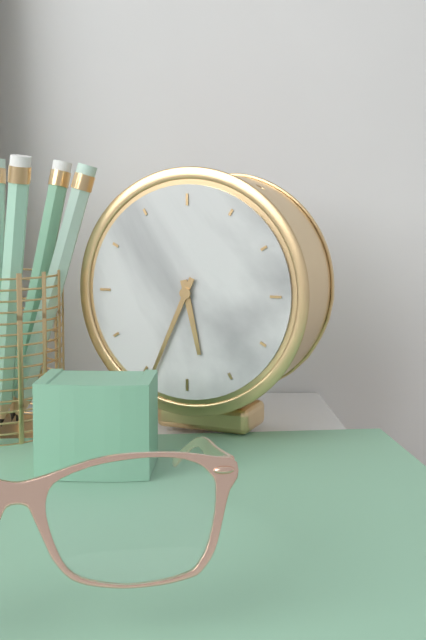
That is 5,34
